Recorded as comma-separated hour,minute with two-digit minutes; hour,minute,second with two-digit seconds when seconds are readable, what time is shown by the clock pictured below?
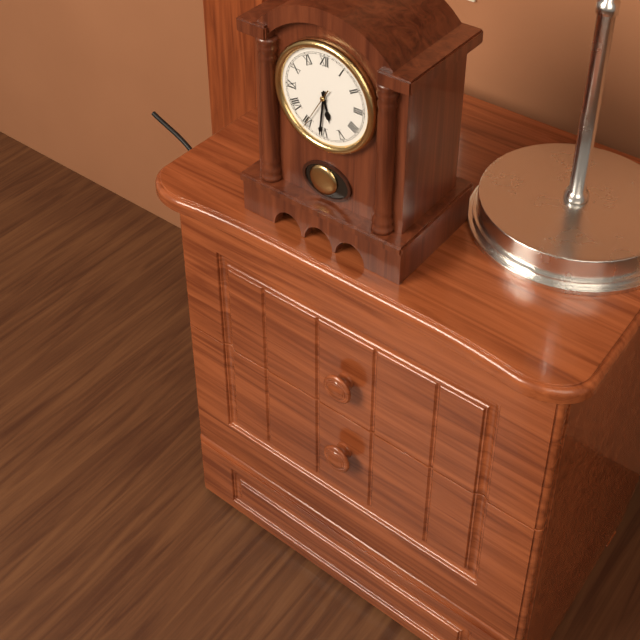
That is 5,31
